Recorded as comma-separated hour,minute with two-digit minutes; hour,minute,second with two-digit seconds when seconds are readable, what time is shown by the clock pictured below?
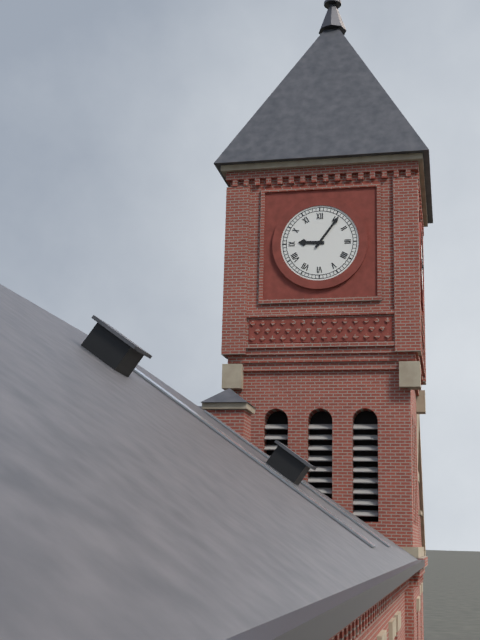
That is 9,06
